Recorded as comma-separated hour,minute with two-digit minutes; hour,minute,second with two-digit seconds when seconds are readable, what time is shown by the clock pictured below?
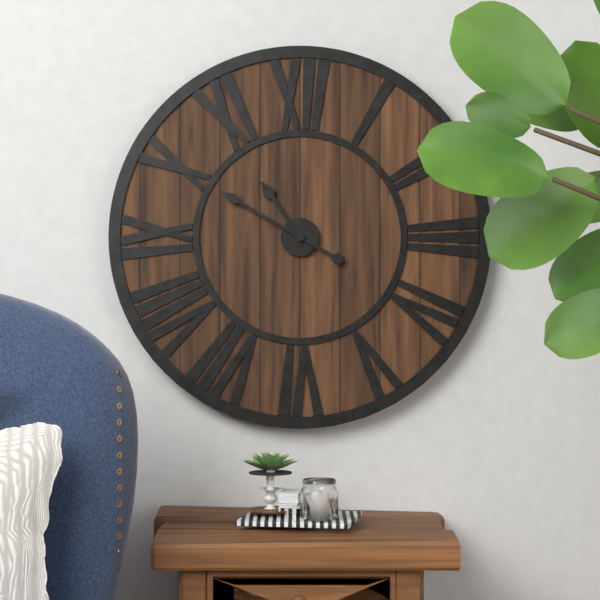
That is 10,50
